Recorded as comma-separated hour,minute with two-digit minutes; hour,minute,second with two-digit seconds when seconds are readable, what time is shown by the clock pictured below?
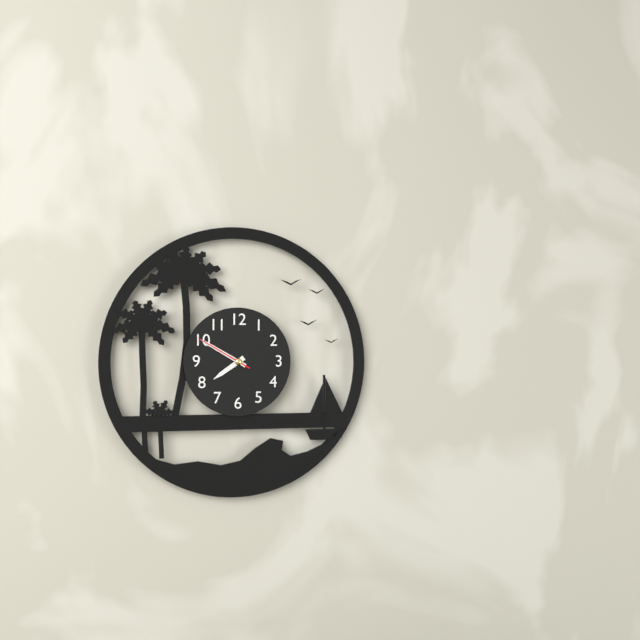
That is 7,50,50
